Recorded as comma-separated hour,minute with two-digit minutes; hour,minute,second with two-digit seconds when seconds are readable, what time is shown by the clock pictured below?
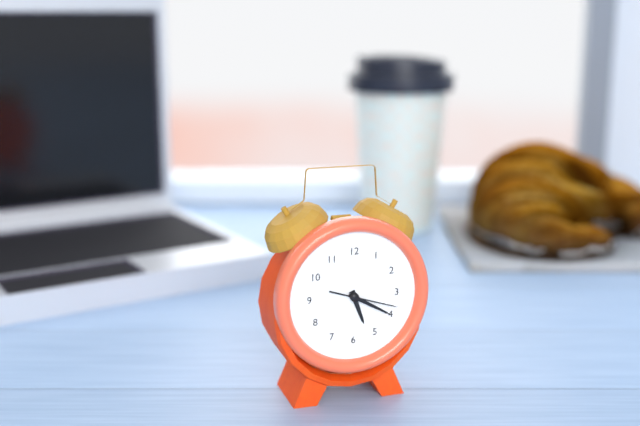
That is 5,20,18
